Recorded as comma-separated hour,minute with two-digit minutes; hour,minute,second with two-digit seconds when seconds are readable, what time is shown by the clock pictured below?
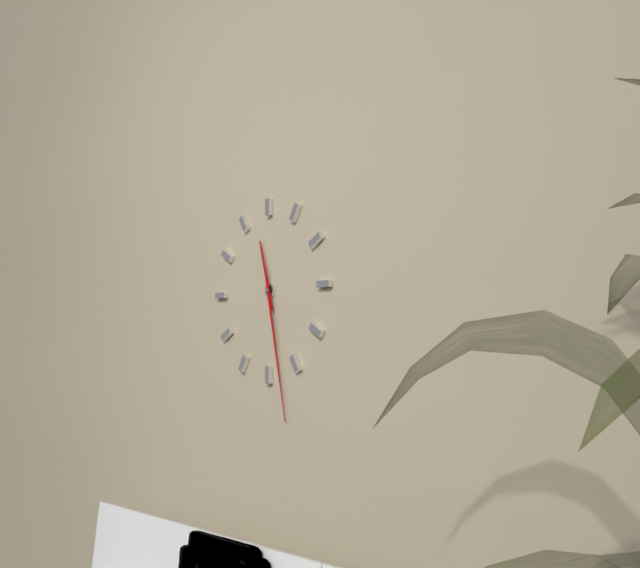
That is 11,28
